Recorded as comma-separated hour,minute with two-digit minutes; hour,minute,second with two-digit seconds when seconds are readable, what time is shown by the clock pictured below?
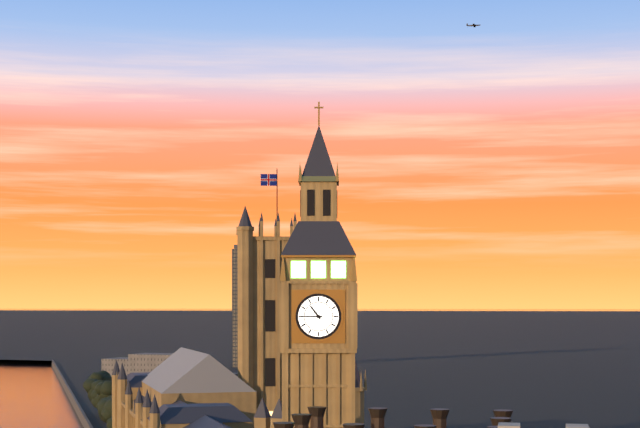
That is 10,45
